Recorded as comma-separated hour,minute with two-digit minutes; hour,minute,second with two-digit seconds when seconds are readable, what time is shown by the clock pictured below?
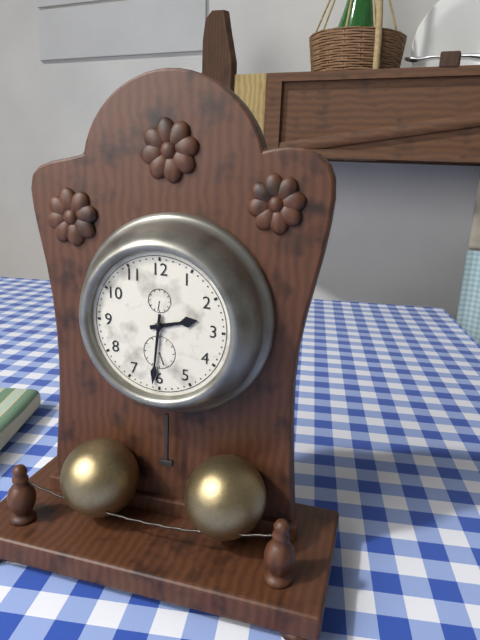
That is 2,31
